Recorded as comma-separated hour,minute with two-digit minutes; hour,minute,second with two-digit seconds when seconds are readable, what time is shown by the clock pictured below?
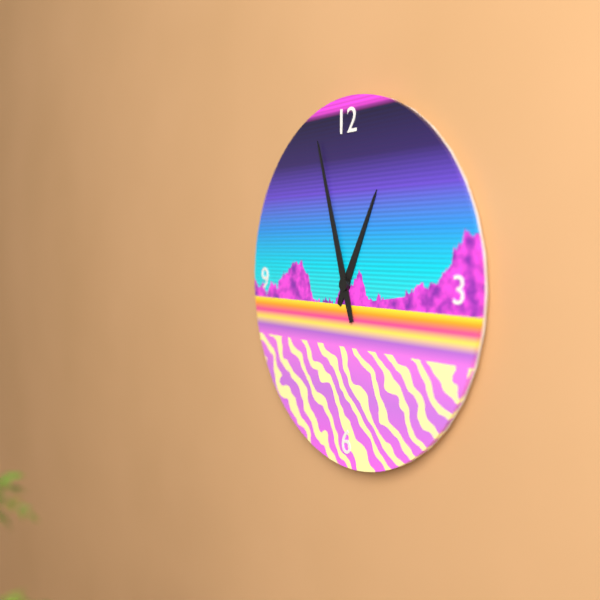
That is 12,57
